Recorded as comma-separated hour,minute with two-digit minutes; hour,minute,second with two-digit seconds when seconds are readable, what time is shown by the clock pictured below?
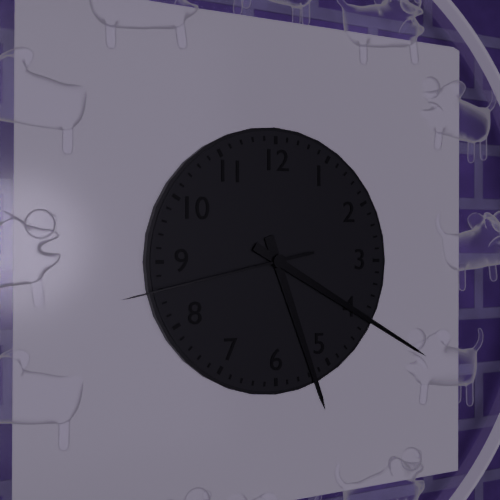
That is 5,20,43
